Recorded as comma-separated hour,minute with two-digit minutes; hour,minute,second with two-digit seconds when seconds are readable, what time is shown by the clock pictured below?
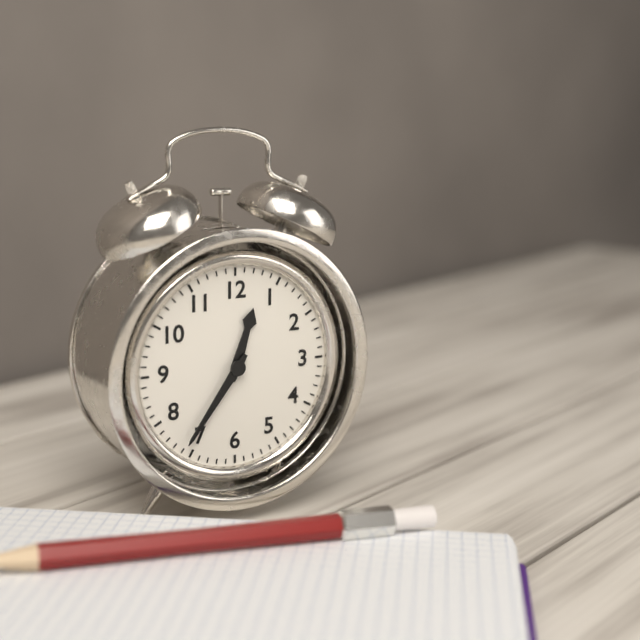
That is 12,36
